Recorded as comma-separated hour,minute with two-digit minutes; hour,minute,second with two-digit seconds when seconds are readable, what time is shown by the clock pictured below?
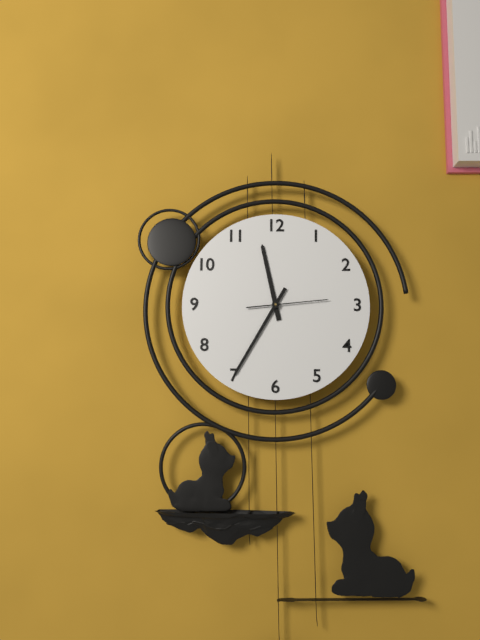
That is 11,35,14
